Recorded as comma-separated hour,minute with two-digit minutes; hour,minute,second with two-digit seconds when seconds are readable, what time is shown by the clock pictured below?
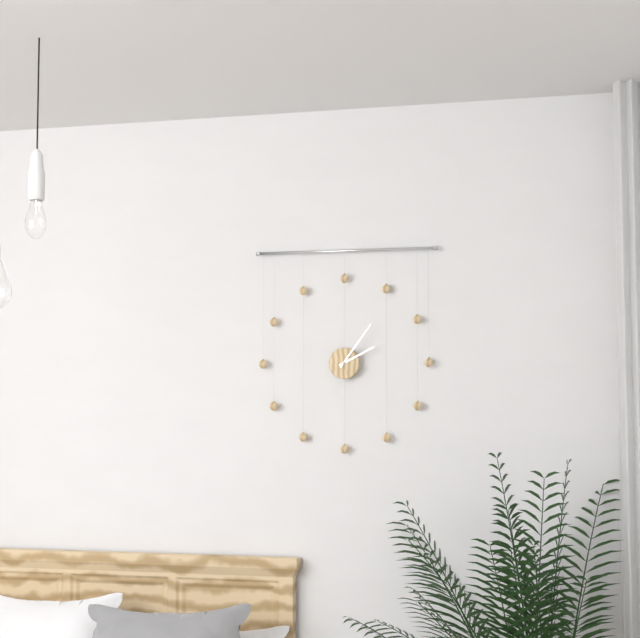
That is 2,06
